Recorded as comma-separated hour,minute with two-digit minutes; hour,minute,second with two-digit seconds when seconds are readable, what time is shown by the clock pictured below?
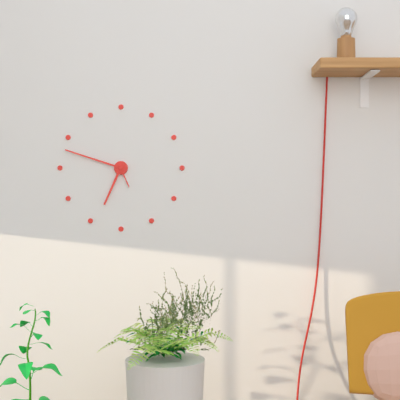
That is 6,48
